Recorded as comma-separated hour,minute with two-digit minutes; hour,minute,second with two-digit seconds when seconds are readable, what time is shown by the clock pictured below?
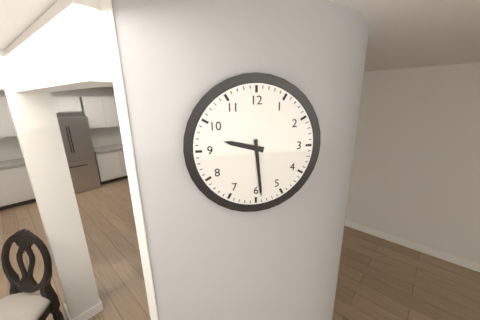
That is 9,29
